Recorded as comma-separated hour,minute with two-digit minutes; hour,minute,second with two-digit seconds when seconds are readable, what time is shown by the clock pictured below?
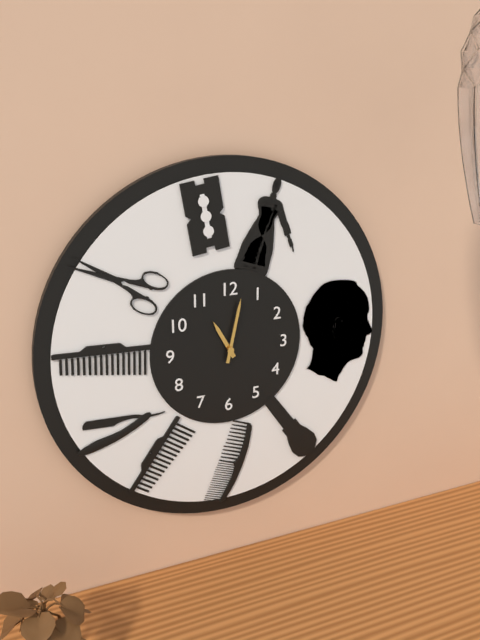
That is 11,02
